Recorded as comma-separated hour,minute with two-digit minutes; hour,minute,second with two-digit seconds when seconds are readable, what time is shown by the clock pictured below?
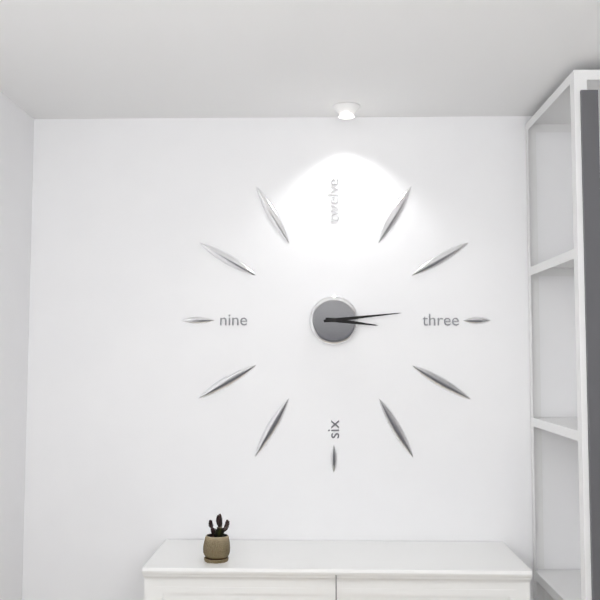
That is 3,14
